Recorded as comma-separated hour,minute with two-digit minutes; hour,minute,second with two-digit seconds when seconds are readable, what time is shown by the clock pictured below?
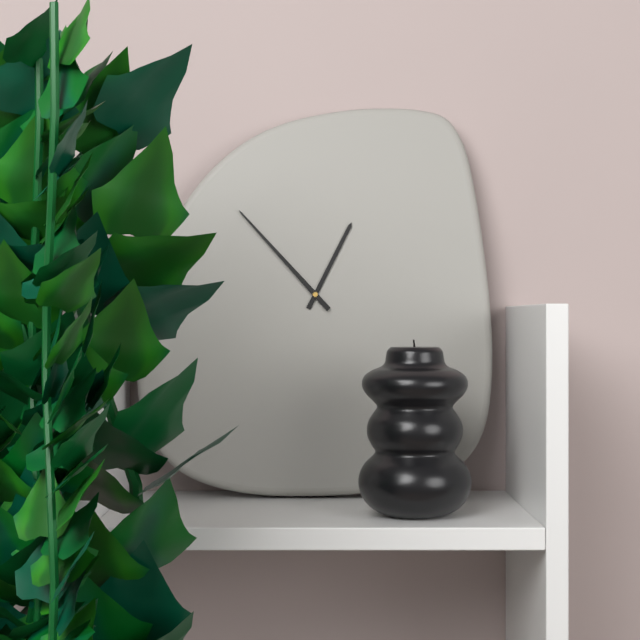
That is 12,53
